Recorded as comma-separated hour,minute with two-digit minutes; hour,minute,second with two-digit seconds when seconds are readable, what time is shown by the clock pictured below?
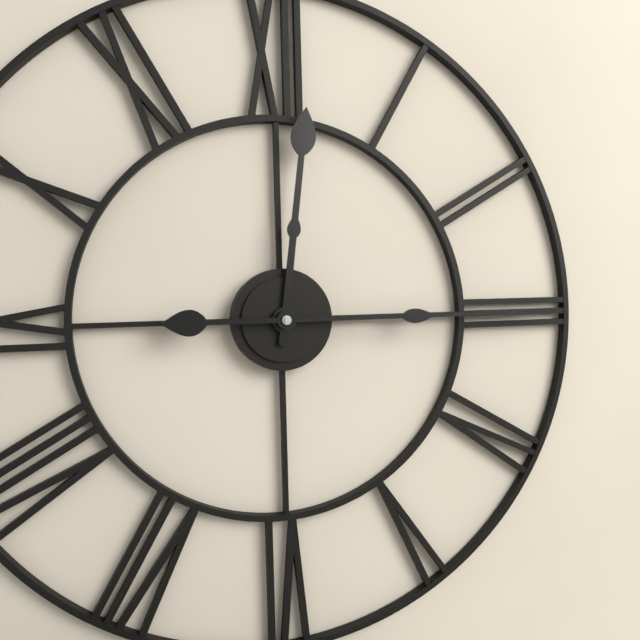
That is 12,15
